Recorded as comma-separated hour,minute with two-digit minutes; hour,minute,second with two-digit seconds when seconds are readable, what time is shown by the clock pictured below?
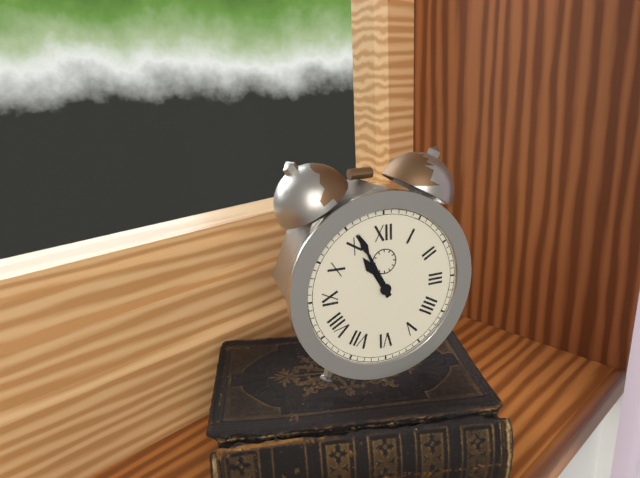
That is 10,56
